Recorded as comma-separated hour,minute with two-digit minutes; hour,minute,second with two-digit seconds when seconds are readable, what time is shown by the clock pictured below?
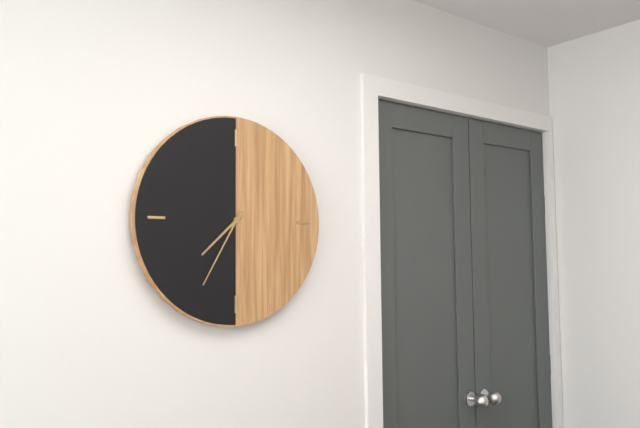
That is 7,35
